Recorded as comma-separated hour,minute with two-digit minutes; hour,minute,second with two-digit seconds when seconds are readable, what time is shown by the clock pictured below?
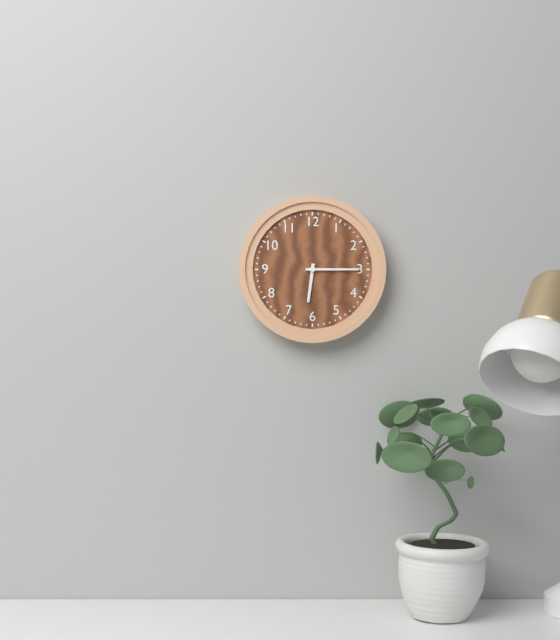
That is 6,15
